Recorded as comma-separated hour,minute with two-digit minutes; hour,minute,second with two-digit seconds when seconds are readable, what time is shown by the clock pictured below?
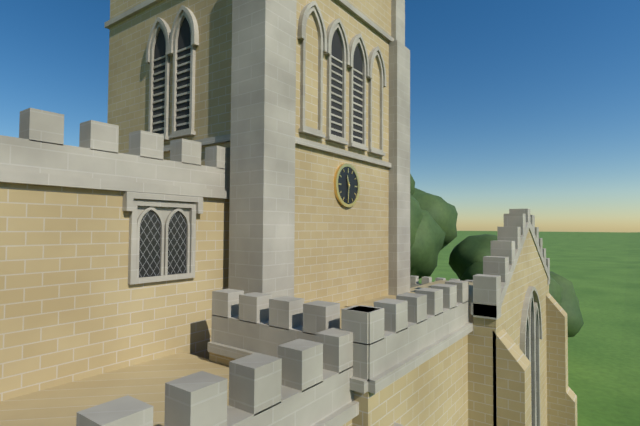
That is 11,31
